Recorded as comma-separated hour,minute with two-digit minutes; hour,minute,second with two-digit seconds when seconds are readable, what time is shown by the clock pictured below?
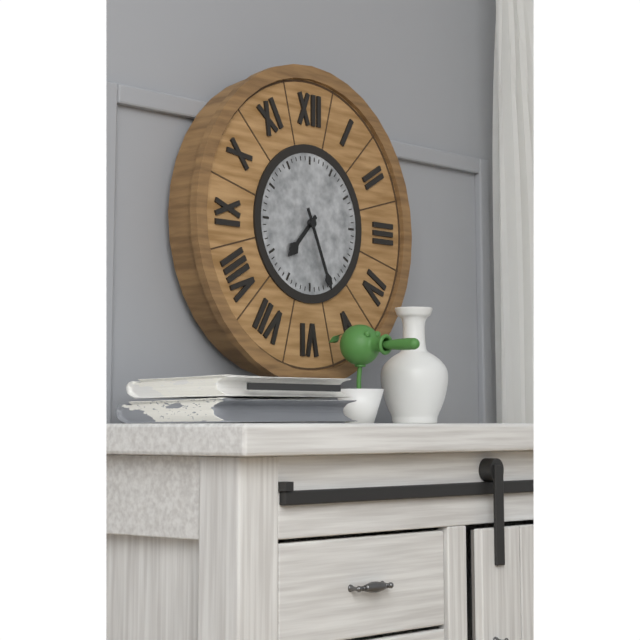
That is 7,26
